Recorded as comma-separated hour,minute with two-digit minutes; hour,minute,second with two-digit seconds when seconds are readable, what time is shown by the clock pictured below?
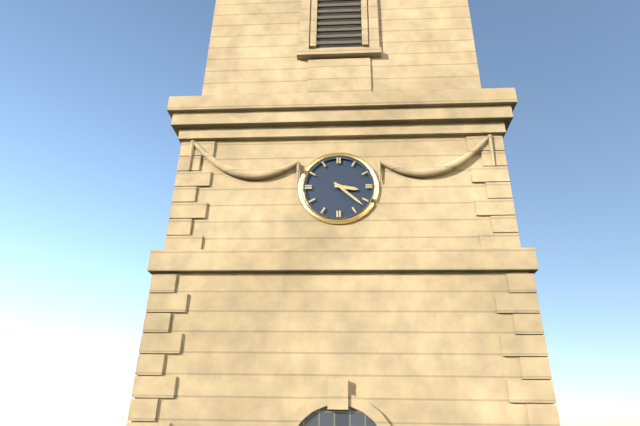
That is 3,22
